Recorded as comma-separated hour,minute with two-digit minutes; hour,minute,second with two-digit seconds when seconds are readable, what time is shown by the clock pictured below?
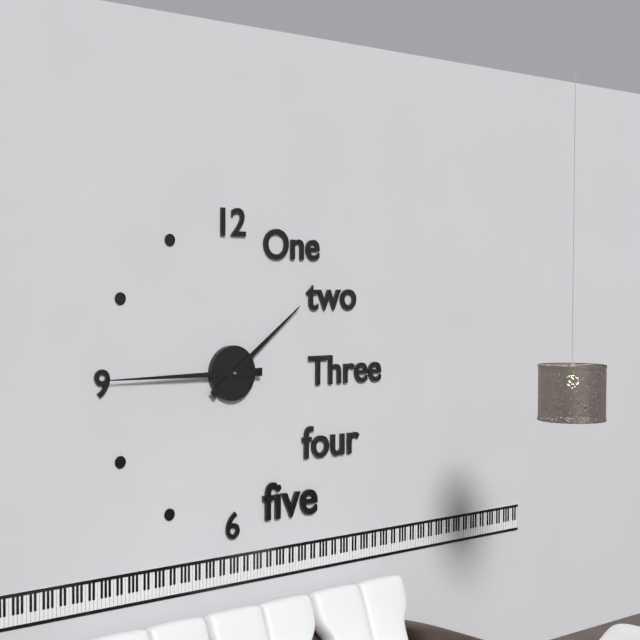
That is 1,45
